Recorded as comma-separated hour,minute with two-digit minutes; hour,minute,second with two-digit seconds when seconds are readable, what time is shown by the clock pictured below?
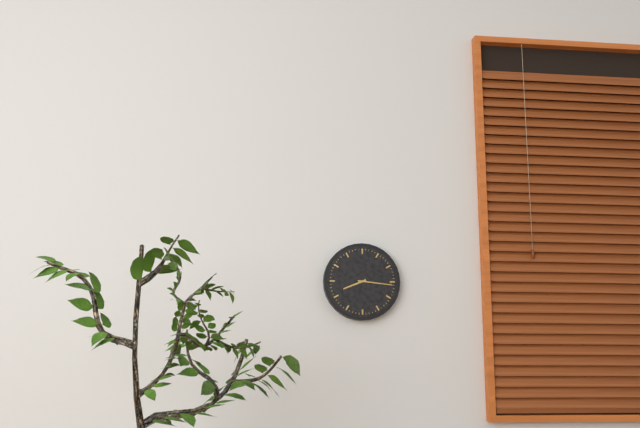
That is 8,16
